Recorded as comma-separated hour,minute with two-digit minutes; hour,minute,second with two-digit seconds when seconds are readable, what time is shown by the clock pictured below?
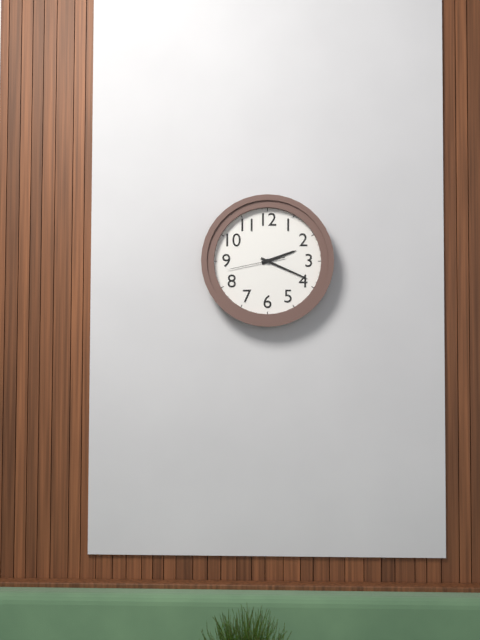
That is 2,19,43
